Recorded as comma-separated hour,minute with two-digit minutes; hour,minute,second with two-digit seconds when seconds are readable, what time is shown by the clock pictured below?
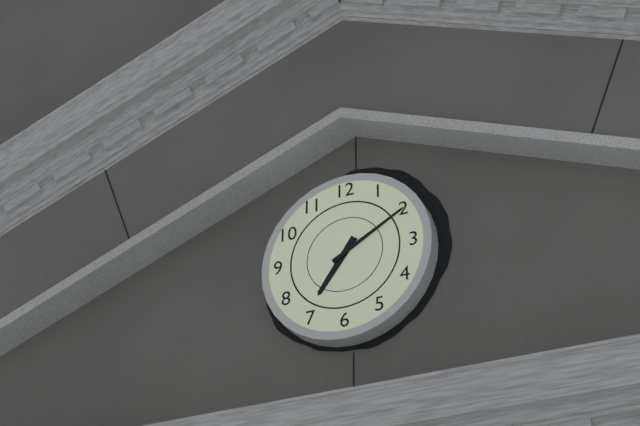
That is 7,10
